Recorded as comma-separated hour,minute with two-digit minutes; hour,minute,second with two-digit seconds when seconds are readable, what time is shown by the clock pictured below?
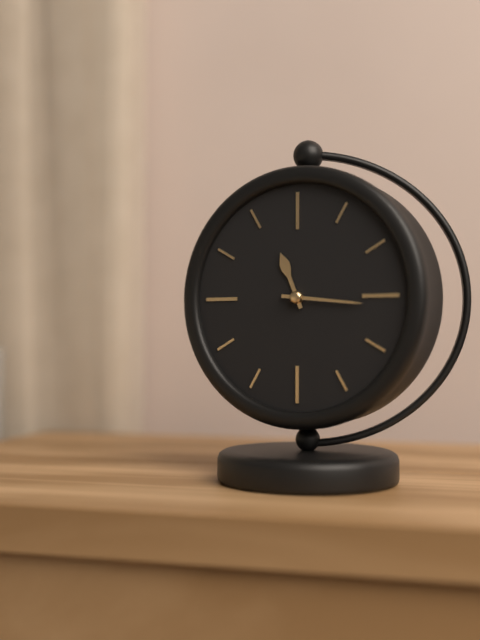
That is 11,16
